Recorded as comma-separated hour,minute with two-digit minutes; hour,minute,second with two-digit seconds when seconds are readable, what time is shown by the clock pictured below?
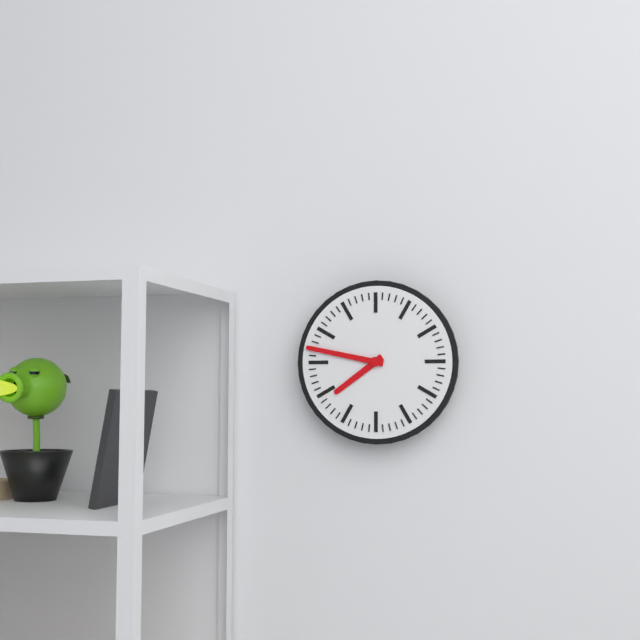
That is 7,47
